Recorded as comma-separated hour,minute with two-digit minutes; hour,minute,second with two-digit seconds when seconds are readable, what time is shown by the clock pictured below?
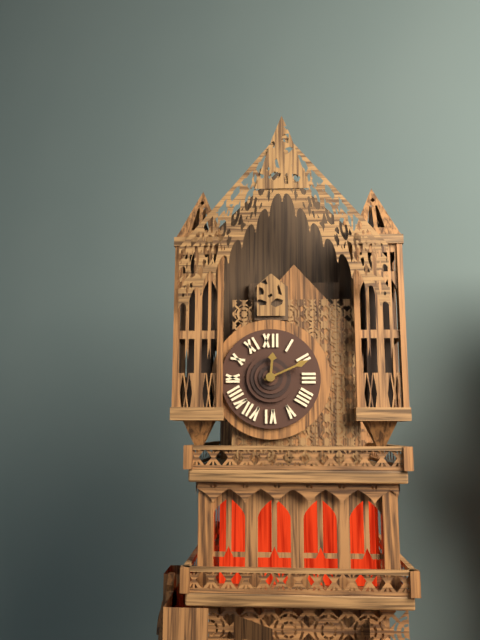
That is 12,11
